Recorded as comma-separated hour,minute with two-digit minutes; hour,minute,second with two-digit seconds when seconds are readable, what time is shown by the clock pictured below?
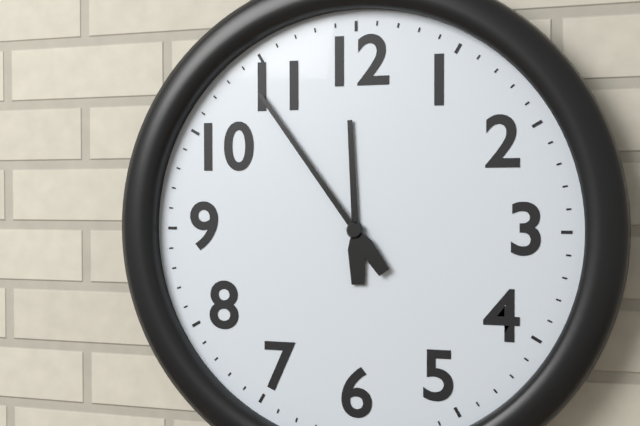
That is 11,54
